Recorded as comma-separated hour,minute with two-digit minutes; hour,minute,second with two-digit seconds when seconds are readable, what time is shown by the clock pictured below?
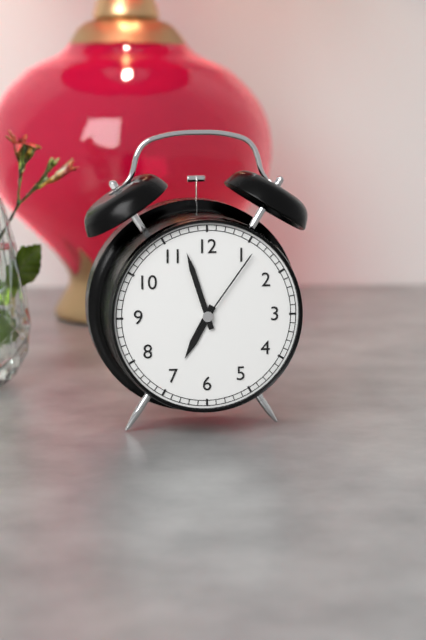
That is 6,57,06
